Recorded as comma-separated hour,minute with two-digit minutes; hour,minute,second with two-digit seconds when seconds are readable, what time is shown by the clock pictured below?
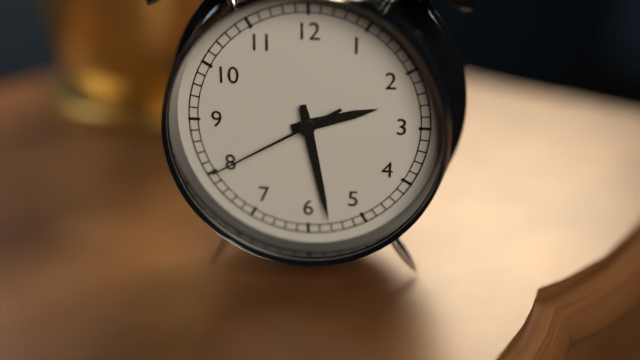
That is 2,28,40
